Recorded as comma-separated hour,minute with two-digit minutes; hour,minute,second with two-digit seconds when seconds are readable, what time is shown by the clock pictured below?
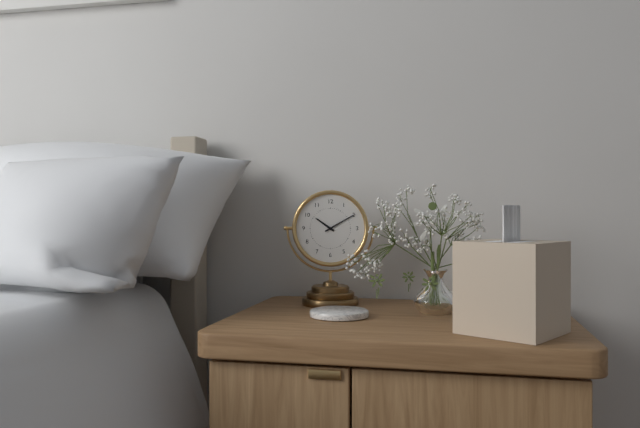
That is 10,10
